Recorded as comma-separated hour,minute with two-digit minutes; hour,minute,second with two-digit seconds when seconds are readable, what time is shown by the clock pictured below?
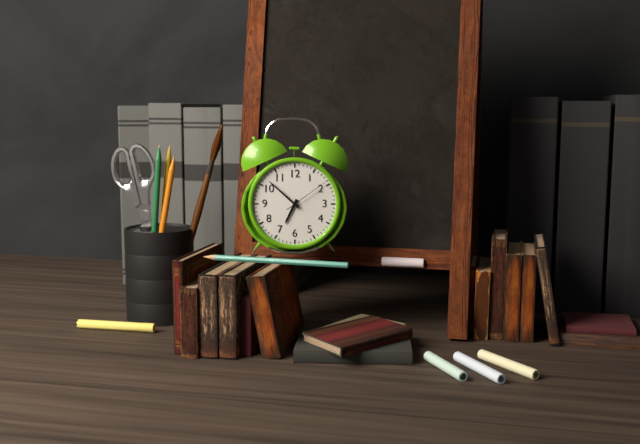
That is 6,52
